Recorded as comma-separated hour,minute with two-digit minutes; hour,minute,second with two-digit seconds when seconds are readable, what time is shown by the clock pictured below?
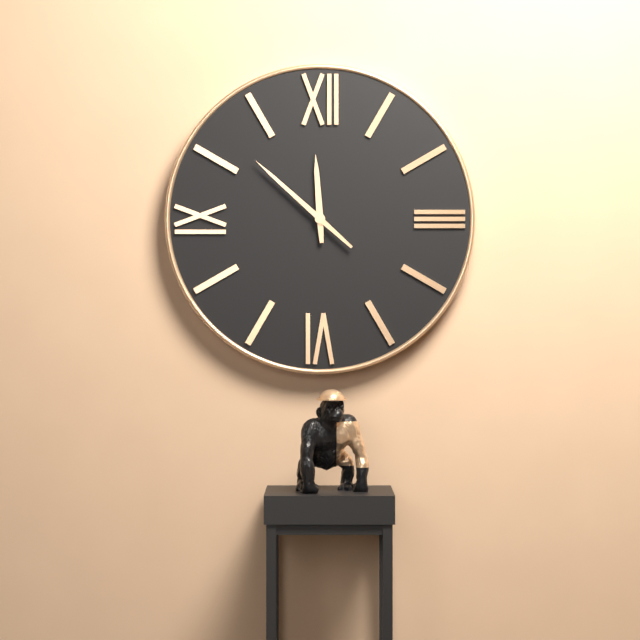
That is 11,52
